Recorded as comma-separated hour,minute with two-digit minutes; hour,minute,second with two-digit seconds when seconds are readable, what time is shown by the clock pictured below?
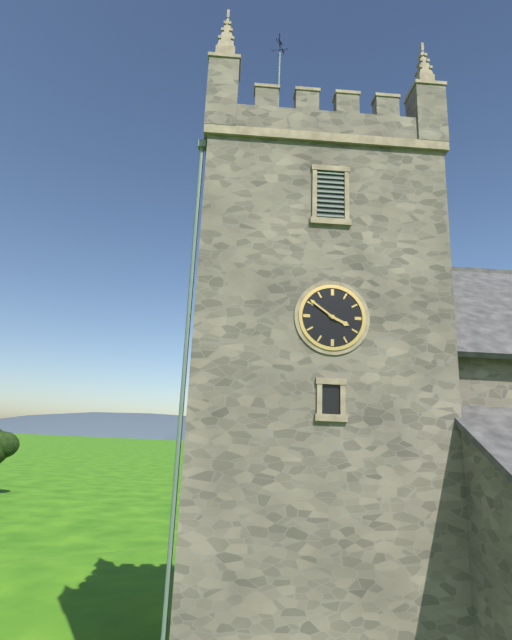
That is 3,51
